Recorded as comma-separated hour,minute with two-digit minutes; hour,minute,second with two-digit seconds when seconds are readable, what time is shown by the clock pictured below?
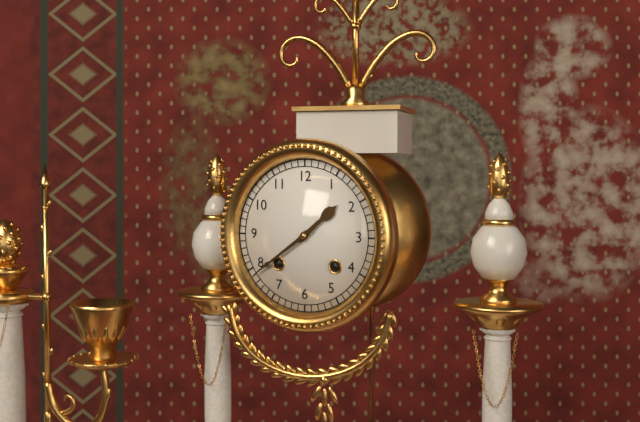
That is 1,39
